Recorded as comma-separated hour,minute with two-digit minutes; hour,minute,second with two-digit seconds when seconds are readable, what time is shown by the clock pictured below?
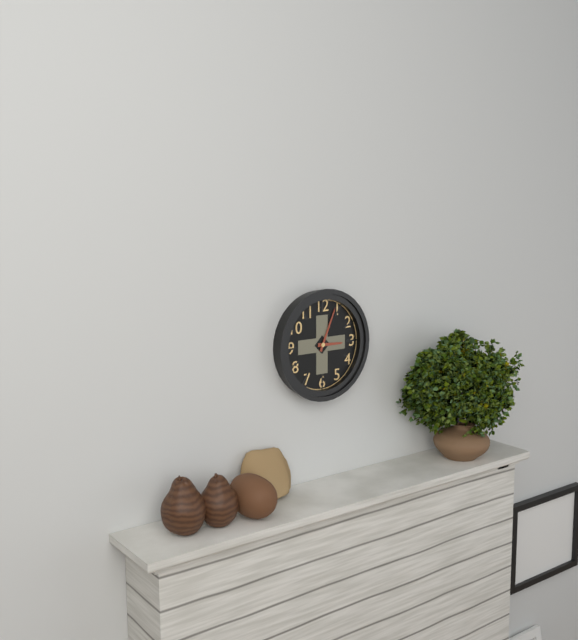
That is 3,04
